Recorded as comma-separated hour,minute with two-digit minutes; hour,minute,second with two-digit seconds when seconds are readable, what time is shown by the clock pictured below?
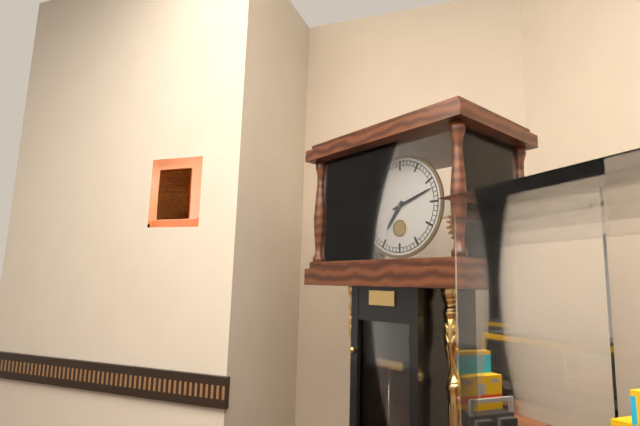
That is 7,12
